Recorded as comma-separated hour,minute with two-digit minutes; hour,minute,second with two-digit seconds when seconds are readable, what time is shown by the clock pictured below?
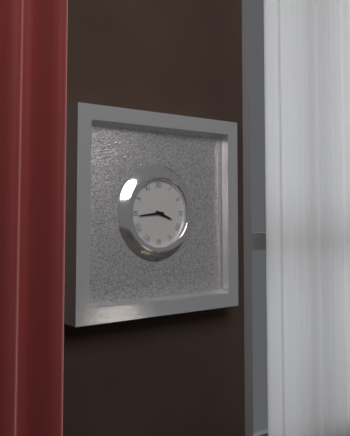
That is 3,44
